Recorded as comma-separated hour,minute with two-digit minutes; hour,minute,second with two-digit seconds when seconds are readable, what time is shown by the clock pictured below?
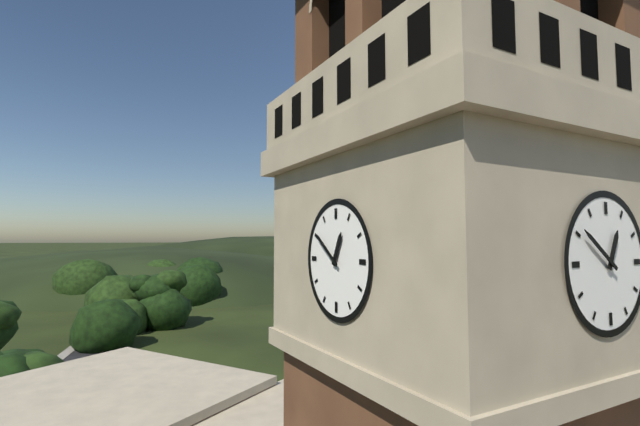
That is 12,51
